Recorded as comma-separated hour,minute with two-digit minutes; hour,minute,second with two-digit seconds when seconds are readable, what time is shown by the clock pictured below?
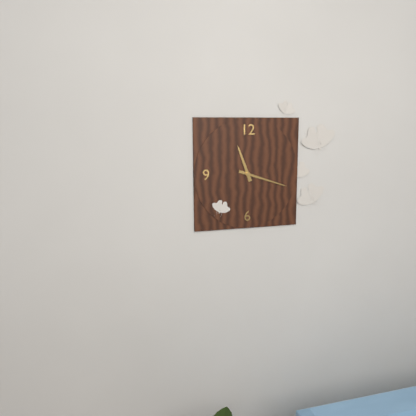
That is 11,18
